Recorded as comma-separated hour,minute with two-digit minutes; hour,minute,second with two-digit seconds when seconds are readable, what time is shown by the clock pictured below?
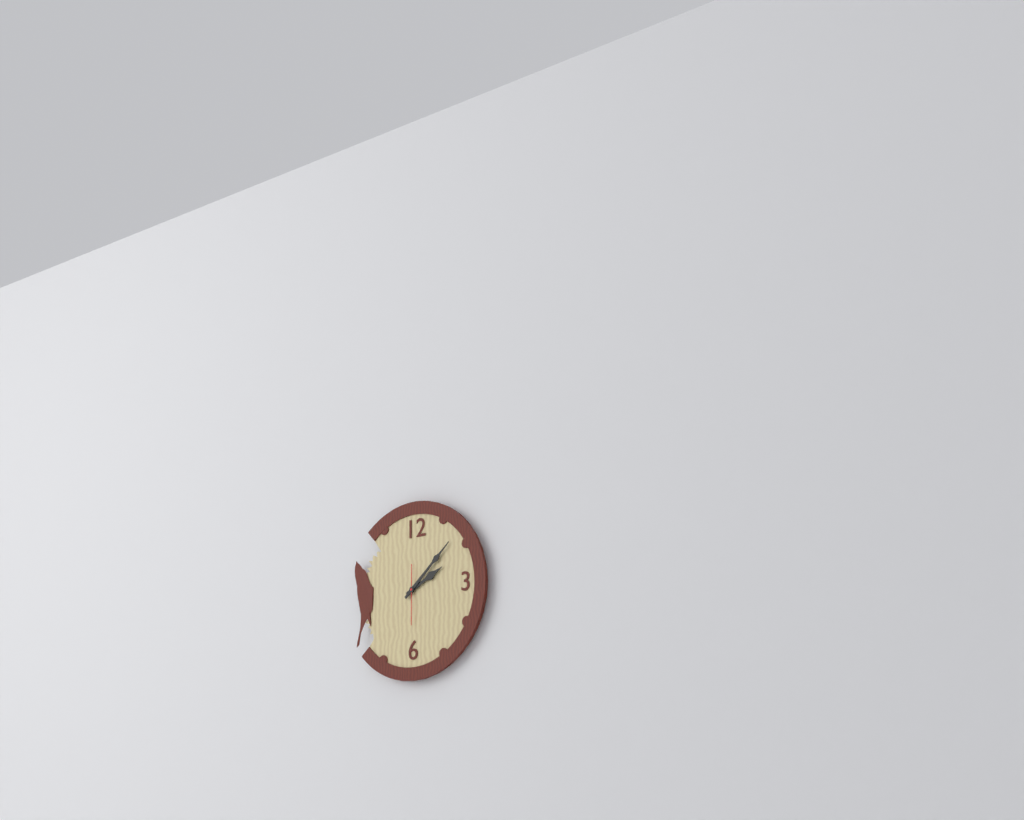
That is 2,08
